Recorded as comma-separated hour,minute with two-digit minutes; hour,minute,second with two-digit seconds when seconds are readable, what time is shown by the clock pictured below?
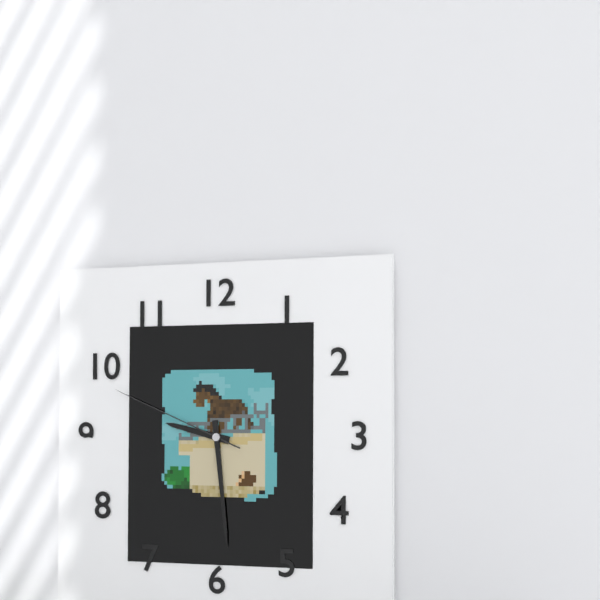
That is 9,29,49
